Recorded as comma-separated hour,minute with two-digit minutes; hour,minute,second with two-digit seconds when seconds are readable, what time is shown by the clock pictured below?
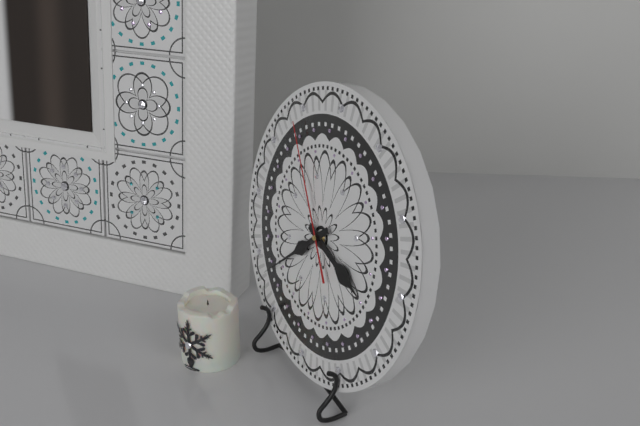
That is 3,38,54
